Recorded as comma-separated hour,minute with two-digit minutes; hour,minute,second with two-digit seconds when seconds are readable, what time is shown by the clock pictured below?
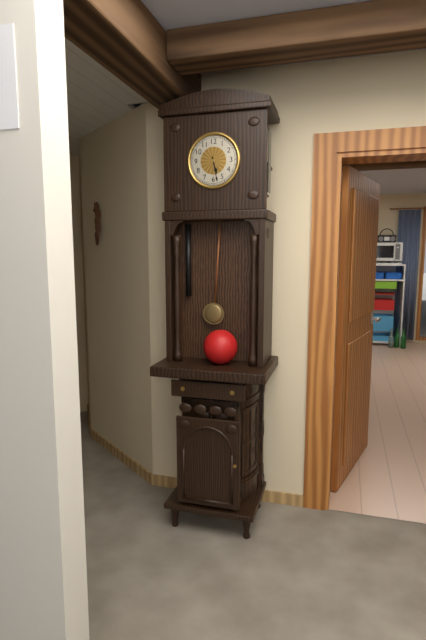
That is 5,28
